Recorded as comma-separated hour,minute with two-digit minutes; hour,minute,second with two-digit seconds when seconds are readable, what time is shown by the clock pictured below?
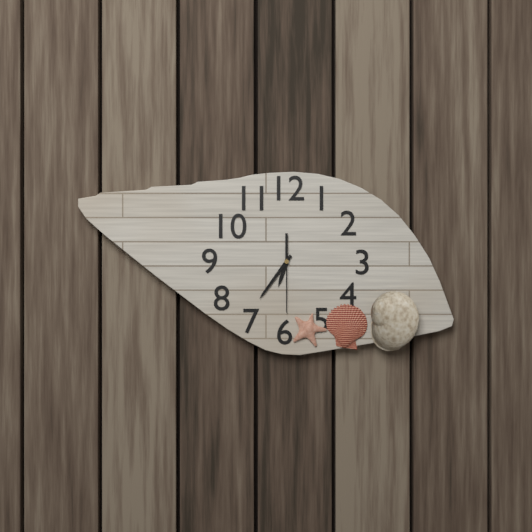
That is 6,36,30
